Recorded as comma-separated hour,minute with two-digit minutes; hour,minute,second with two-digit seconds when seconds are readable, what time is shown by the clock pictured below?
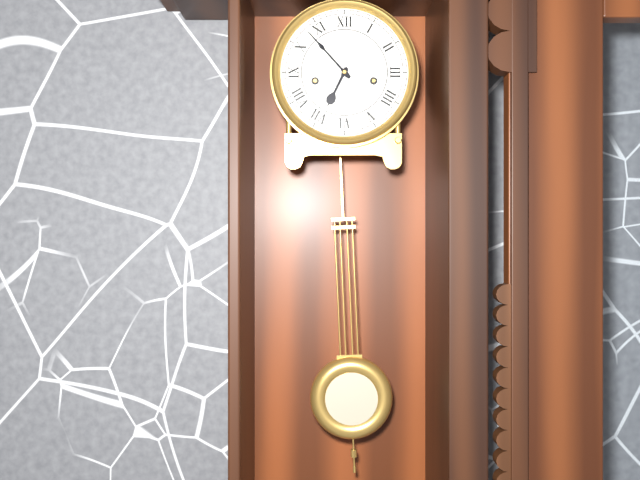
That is 6,53
